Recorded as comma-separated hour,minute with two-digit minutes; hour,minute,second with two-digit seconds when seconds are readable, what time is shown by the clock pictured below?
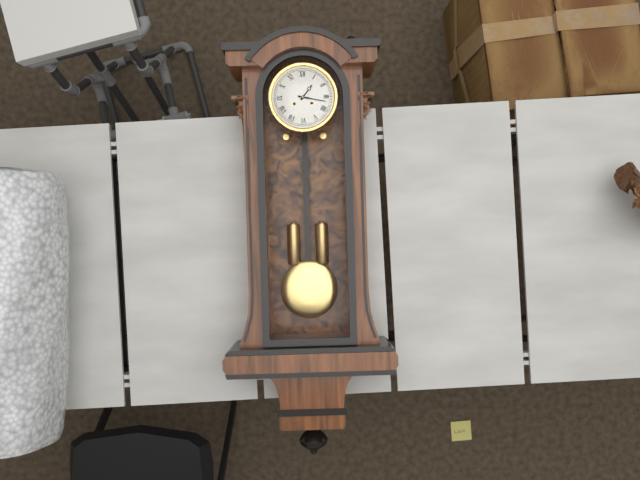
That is 1,17
